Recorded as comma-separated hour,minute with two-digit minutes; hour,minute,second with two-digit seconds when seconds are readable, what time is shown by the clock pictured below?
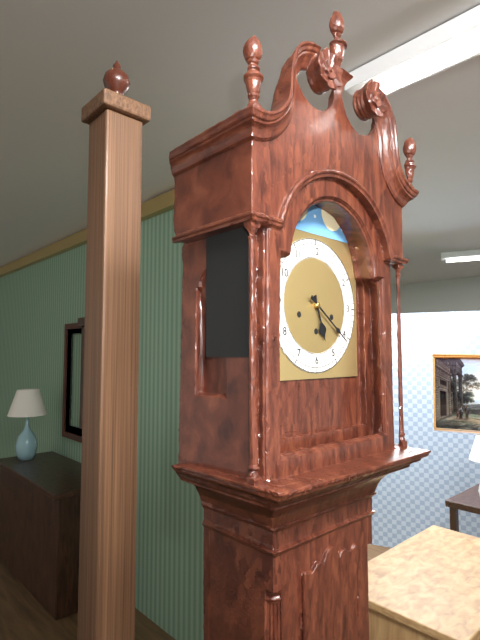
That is 5,21
